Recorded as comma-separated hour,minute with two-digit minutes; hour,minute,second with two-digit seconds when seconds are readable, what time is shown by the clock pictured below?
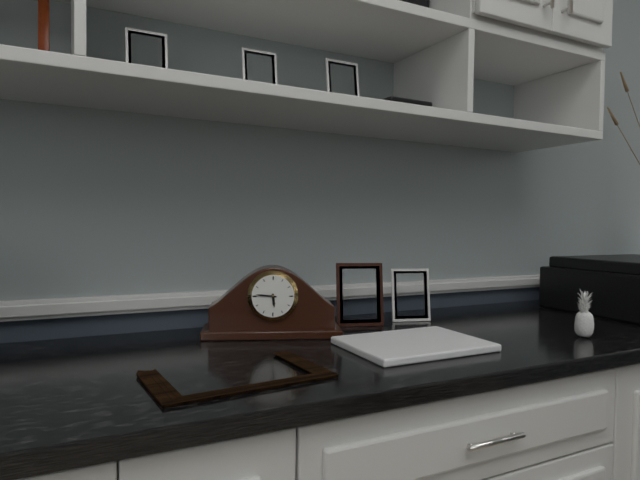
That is 5,46
